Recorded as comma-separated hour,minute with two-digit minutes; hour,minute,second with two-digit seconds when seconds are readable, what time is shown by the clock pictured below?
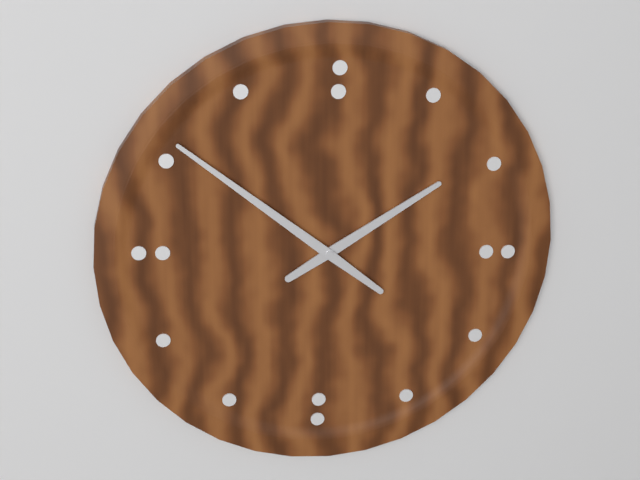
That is 1,51
